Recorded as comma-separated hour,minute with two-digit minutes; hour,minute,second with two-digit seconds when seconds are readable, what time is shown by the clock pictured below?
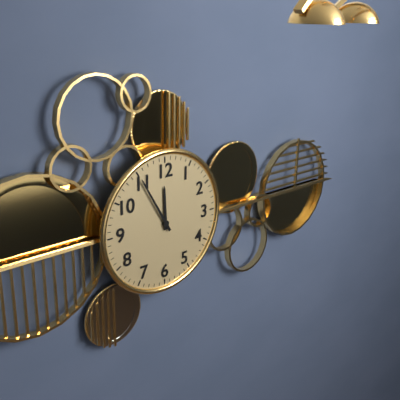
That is 11,55
